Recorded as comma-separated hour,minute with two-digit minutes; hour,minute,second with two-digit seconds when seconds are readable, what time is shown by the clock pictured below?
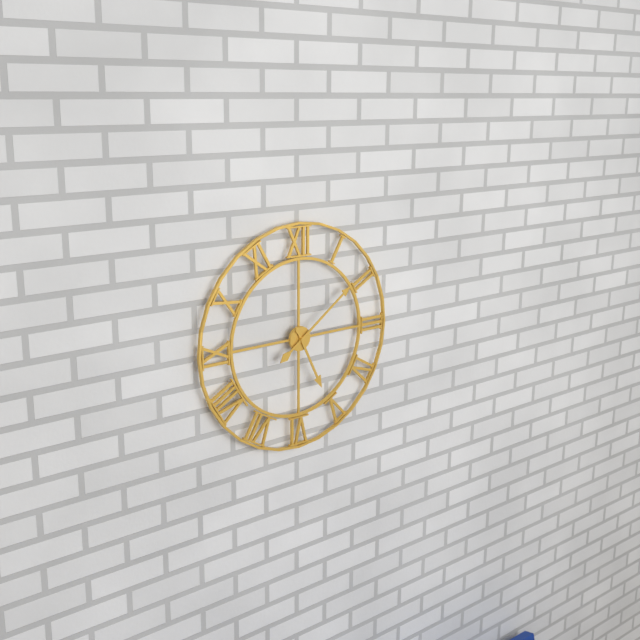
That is 5,09
